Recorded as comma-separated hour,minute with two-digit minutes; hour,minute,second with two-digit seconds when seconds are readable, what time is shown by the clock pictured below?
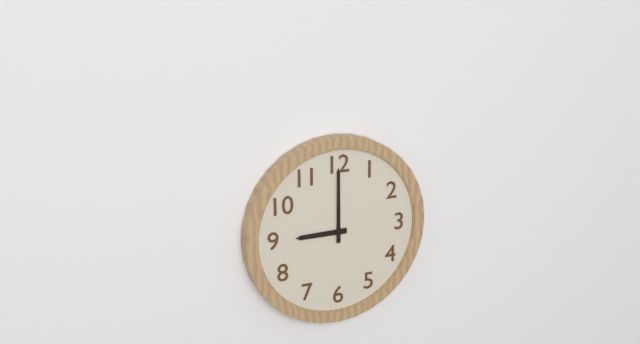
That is 9,00
